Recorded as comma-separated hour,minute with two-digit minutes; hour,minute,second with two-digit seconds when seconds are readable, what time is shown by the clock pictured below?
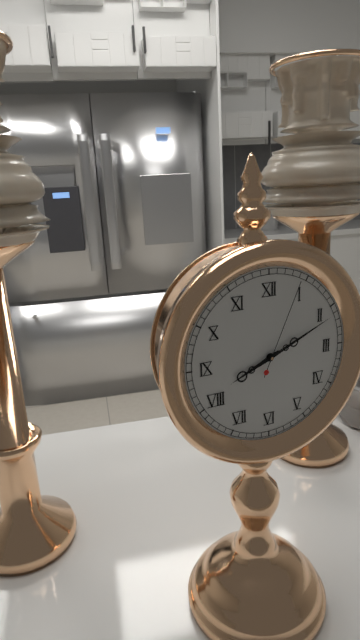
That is 8,11,04
